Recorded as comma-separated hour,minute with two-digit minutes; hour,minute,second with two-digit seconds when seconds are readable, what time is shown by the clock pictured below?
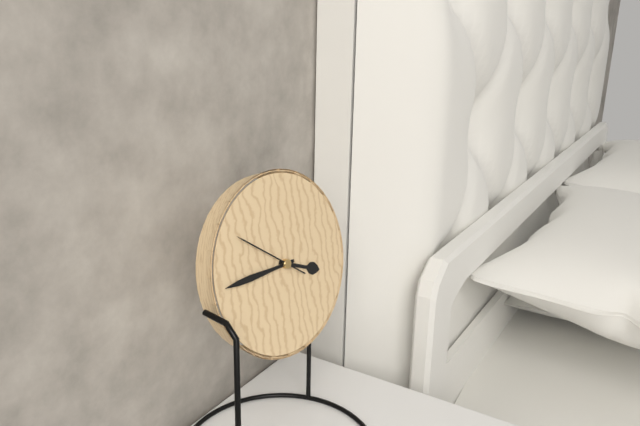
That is 3,45,51
